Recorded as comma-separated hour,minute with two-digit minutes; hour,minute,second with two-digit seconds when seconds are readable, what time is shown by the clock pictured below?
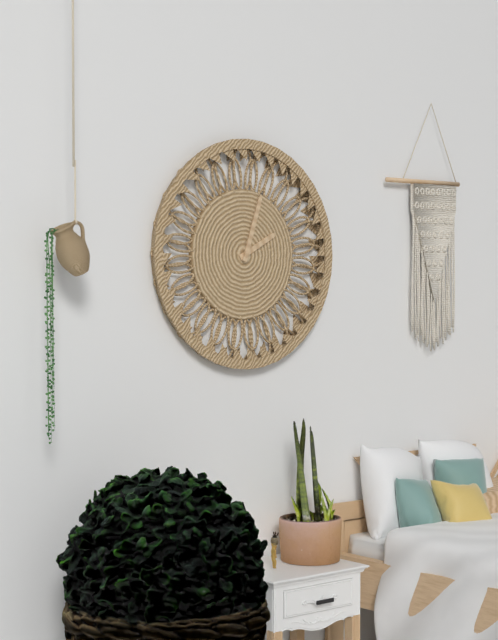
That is 2,03
